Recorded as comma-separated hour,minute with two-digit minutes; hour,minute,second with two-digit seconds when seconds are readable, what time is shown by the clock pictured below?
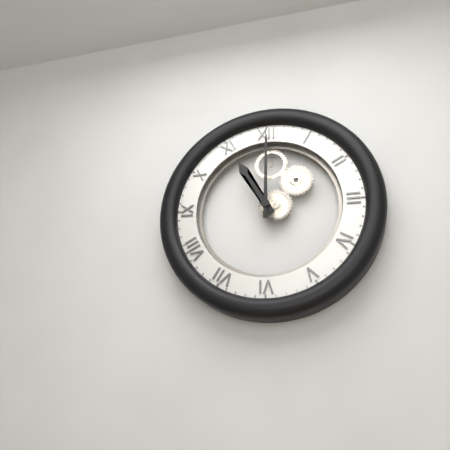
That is 11,00
